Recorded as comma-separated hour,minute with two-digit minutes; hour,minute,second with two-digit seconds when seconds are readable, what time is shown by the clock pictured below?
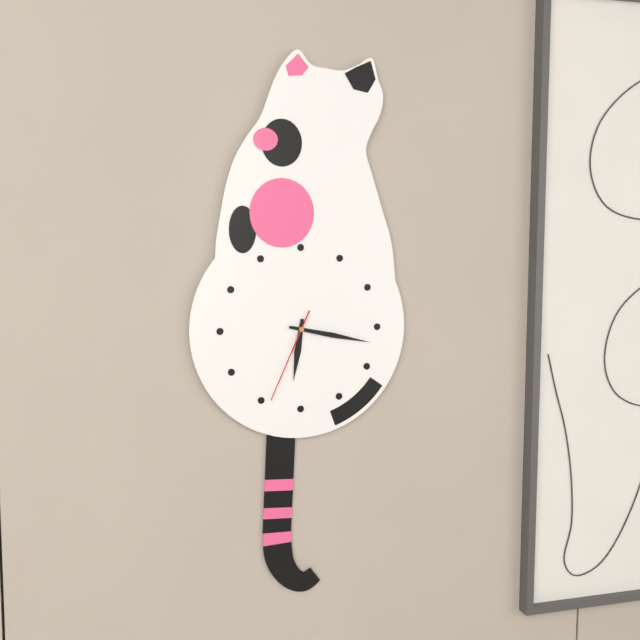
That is 6,17,34
